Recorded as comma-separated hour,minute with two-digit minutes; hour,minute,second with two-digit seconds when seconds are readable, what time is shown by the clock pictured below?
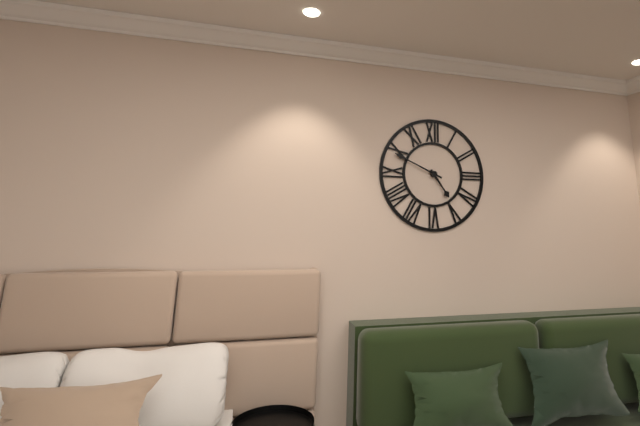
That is 4,49
